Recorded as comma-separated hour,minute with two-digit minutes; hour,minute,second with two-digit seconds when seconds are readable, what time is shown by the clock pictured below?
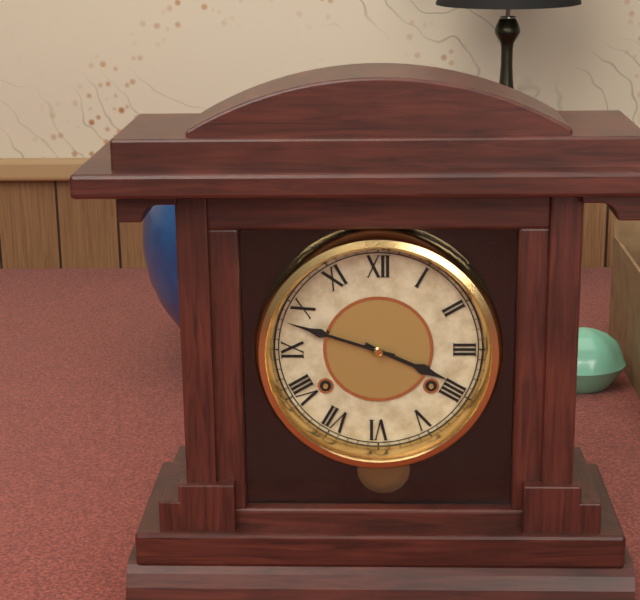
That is 3,48
